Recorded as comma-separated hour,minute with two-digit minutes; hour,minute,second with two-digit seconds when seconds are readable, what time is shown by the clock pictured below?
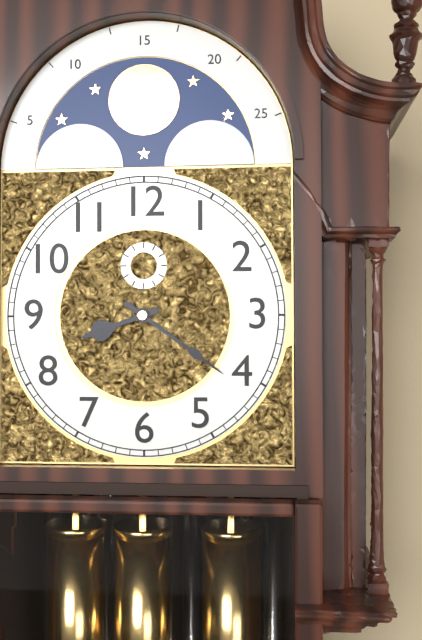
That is 8,21
